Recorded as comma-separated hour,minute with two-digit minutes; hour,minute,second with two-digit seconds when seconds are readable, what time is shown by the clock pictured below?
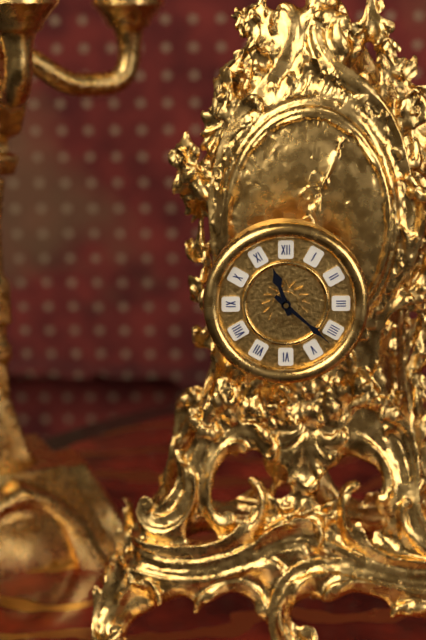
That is 11,22
